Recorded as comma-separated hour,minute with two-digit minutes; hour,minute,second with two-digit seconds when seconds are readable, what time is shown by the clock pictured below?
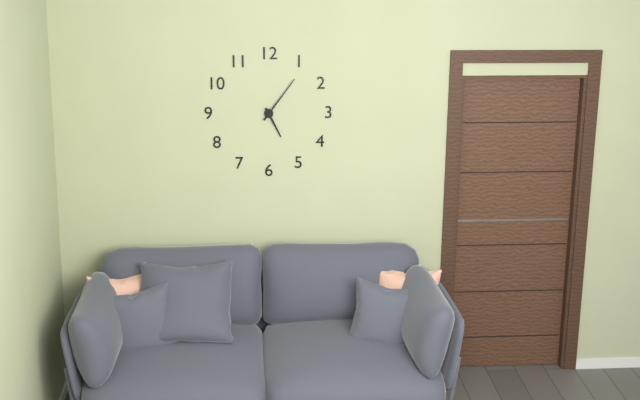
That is 5,06
